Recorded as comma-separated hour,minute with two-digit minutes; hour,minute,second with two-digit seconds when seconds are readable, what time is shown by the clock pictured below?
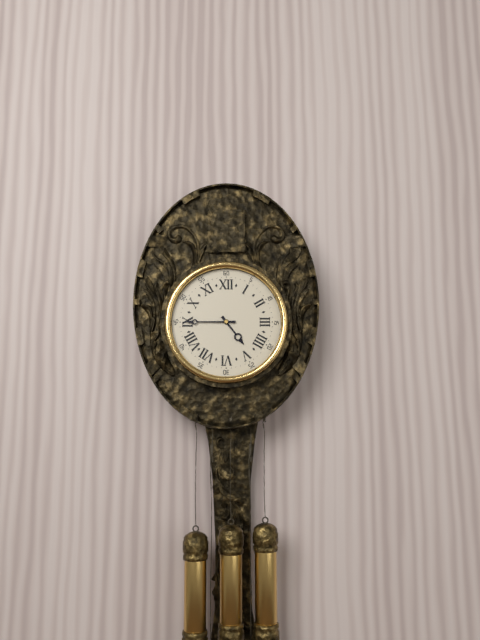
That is 4,45
